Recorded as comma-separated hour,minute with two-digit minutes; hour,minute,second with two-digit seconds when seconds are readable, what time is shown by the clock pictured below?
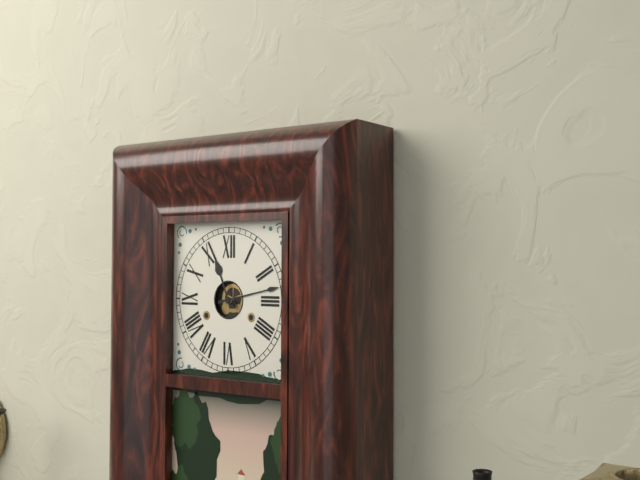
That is 11,13
